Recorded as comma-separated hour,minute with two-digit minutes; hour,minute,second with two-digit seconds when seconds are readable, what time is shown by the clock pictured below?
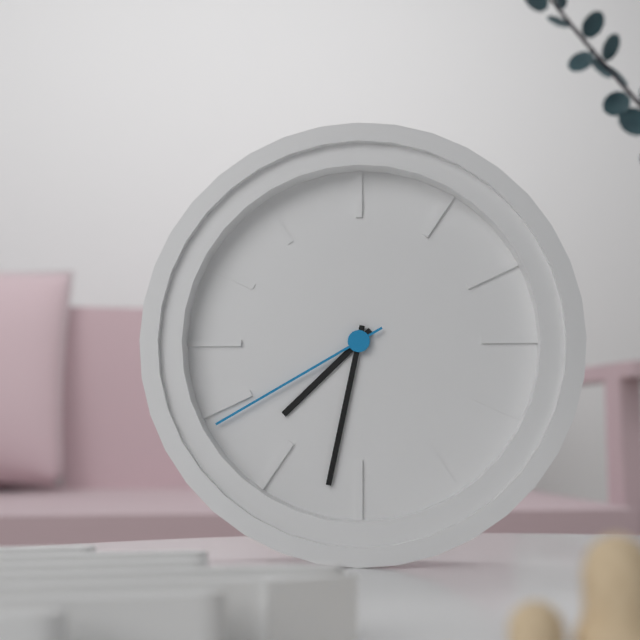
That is 7,32,40
